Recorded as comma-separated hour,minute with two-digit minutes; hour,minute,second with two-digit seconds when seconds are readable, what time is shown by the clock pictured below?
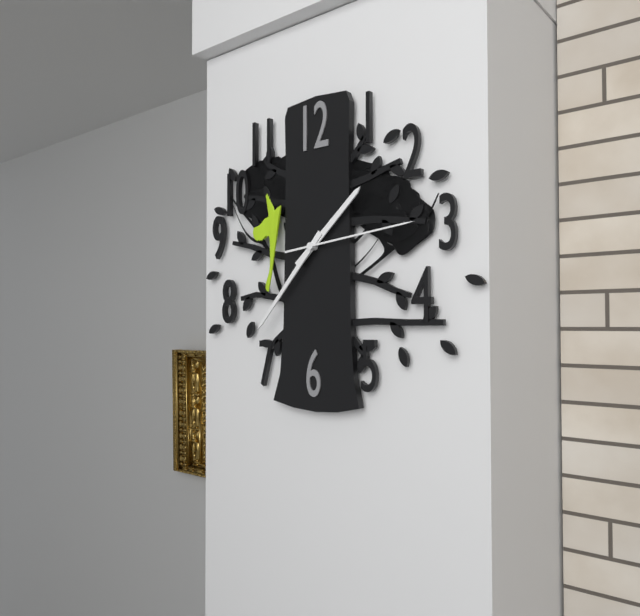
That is 1,37,14
